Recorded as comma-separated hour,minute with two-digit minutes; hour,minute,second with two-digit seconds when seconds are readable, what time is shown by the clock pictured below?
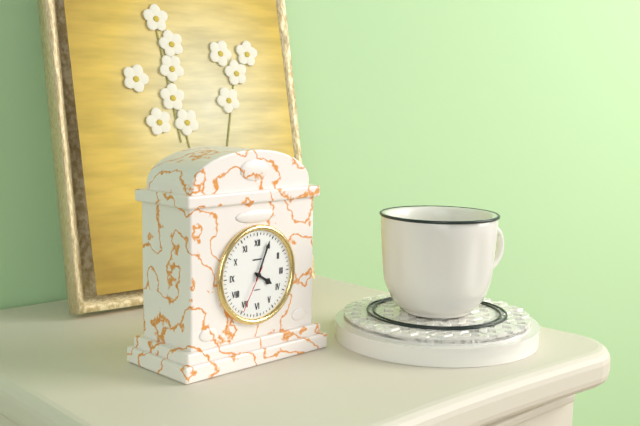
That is 4,04,35
